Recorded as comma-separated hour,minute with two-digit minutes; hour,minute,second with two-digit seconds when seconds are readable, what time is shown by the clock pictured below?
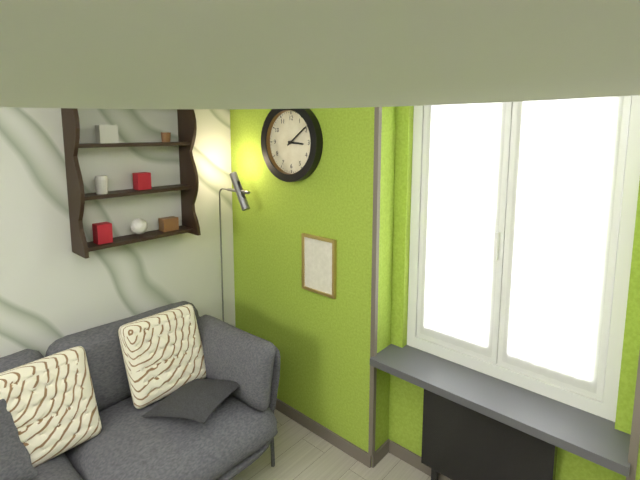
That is 3,09
